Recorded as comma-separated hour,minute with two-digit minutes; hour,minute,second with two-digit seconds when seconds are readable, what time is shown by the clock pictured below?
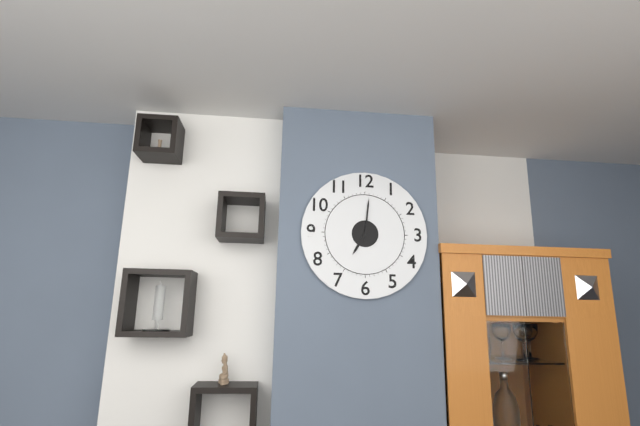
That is 7,01
